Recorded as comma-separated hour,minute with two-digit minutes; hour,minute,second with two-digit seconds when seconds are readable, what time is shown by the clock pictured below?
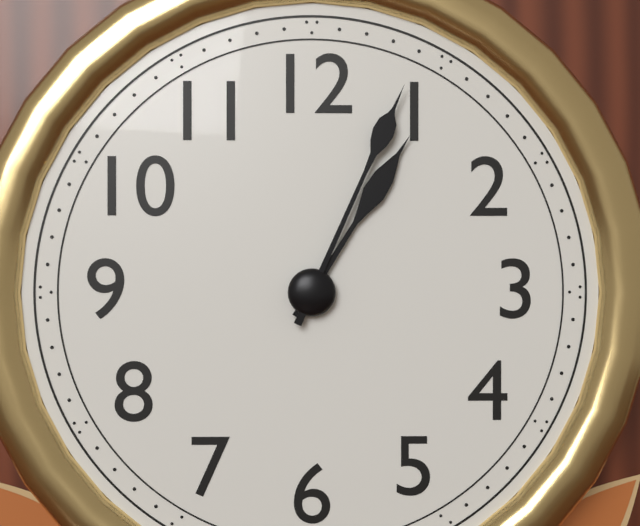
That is 1,04
